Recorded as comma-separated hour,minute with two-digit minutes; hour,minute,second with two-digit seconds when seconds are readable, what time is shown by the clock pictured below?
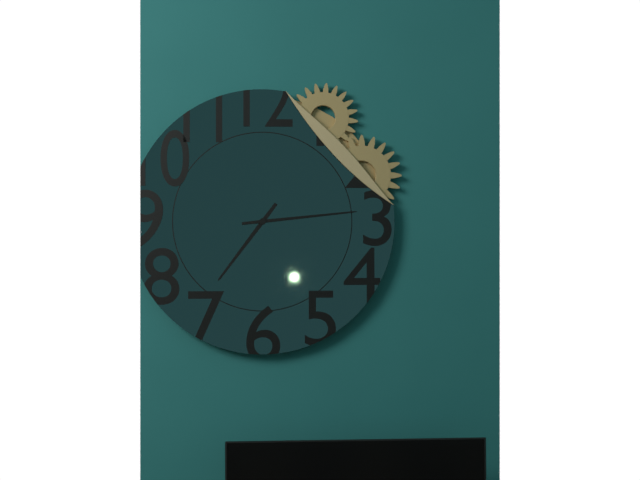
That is 7,14
